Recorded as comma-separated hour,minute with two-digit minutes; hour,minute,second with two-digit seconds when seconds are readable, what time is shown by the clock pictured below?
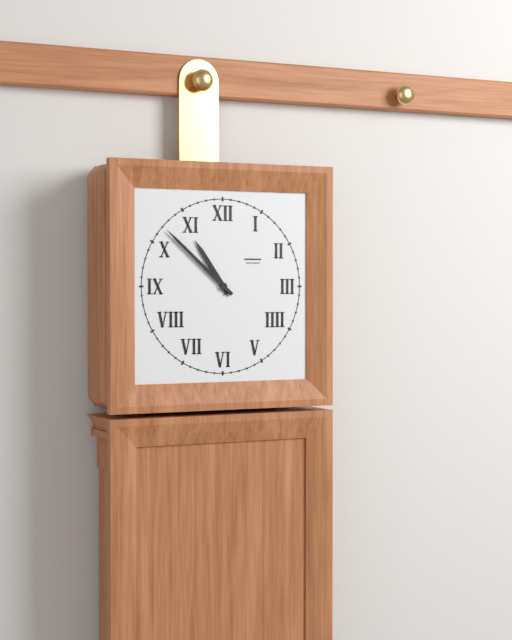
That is 10,52
